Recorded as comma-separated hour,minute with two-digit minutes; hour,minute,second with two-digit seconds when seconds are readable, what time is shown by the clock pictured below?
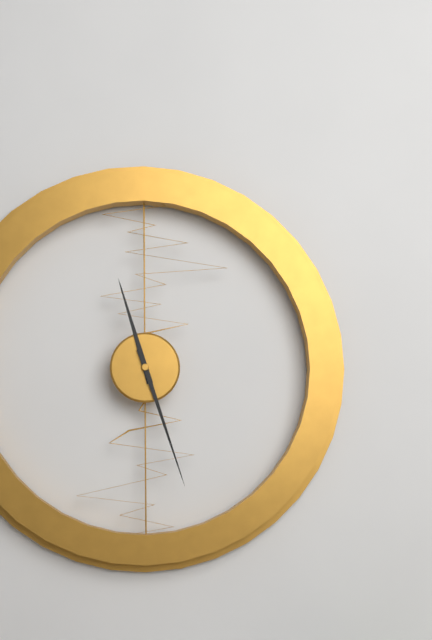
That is 11,27
